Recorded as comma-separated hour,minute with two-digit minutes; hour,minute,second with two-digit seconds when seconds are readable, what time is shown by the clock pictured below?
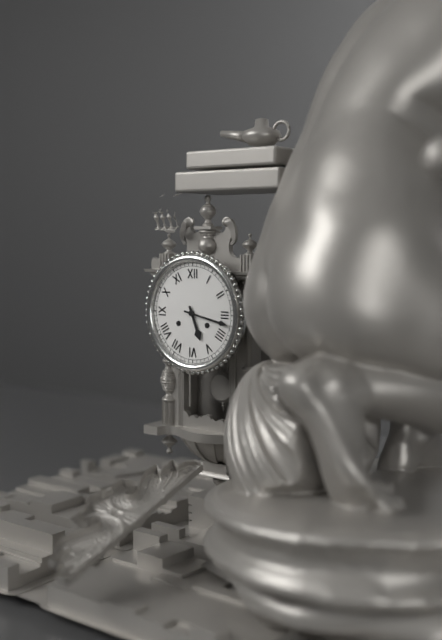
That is 5,17
